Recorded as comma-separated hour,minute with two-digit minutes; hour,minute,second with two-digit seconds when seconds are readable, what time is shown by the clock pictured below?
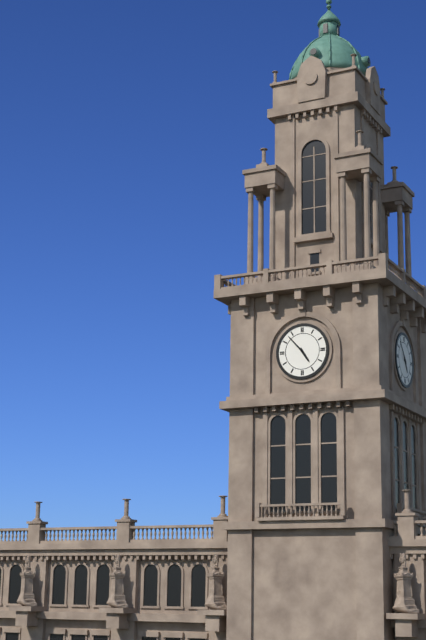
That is 4,53
